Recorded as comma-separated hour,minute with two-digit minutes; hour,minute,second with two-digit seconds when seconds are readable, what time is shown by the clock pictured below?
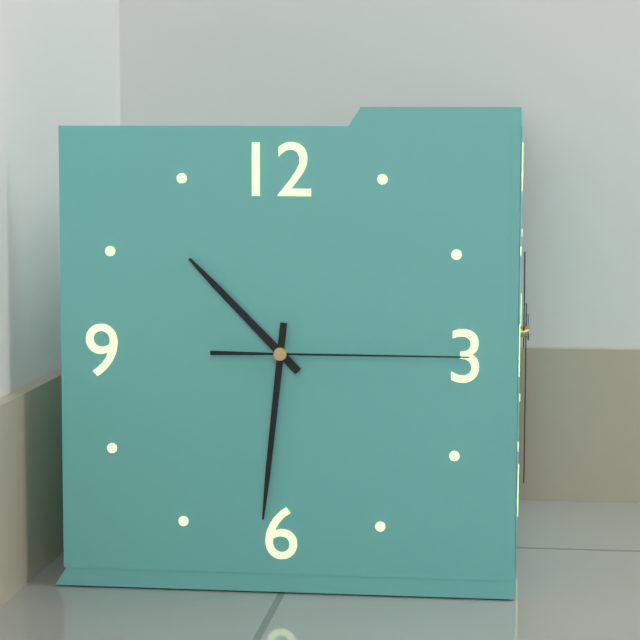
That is 10,31,15
